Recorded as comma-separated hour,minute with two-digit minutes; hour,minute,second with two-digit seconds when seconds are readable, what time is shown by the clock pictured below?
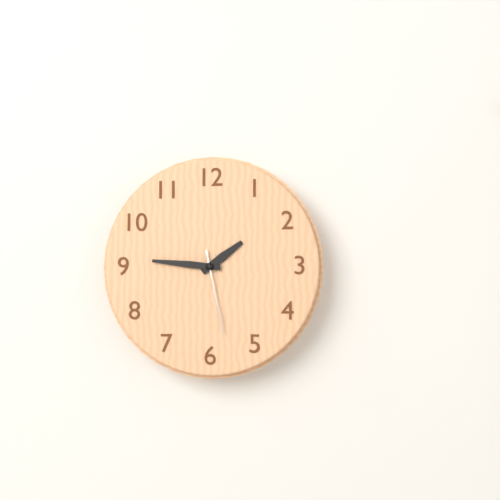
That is 1,46,28
